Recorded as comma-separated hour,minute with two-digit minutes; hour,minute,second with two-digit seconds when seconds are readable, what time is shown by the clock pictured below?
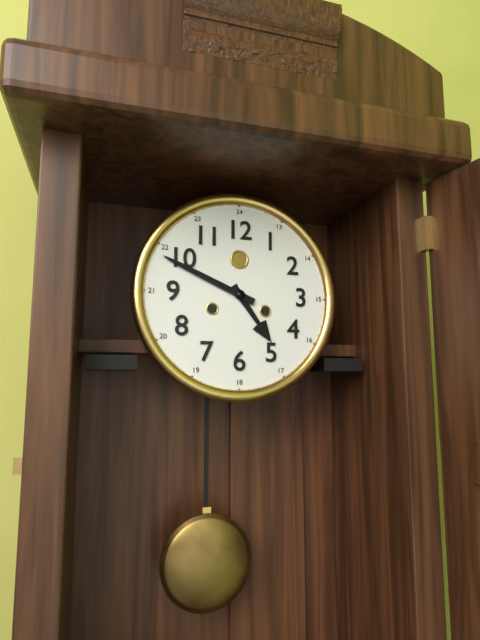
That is 4,49
